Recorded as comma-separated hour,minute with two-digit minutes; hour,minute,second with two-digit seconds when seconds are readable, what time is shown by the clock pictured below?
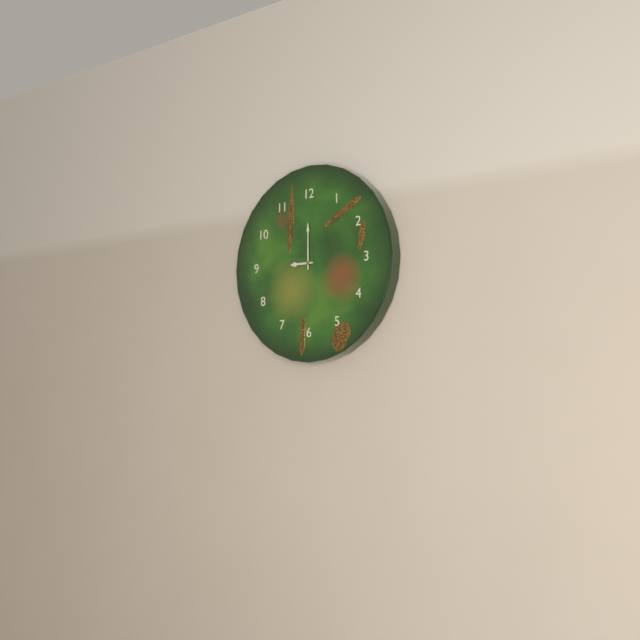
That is 9,00
